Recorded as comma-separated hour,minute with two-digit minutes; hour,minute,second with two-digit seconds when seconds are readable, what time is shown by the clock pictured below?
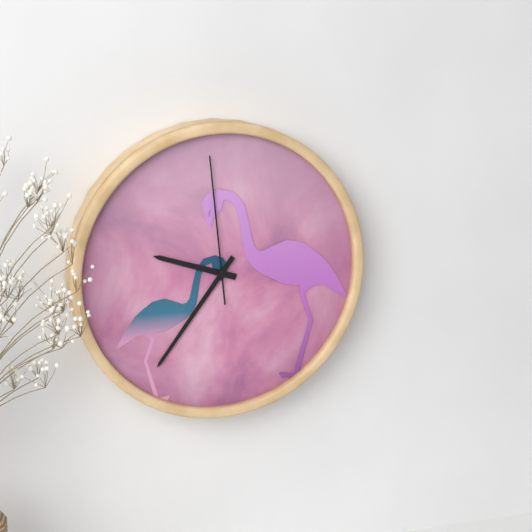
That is 9,36,59
